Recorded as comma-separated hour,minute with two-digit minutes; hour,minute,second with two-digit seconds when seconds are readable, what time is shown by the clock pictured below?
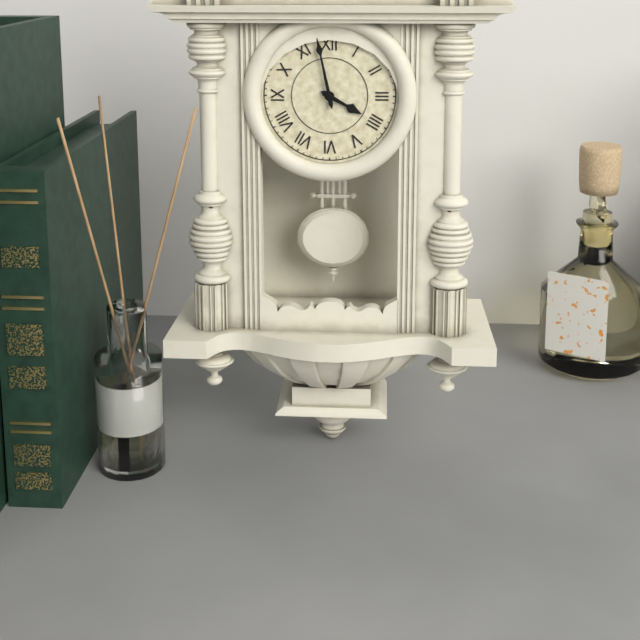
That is 3,58
